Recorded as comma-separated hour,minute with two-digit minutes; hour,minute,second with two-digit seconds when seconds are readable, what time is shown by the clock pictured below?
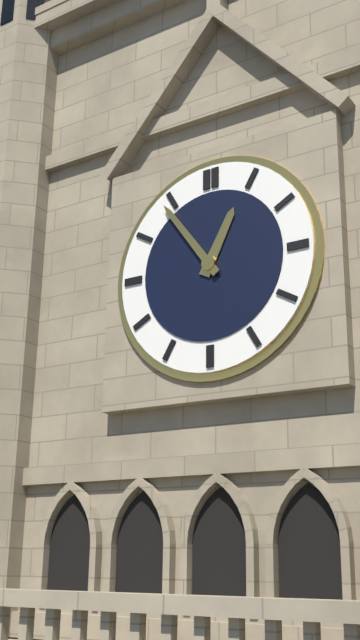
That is 12,54
